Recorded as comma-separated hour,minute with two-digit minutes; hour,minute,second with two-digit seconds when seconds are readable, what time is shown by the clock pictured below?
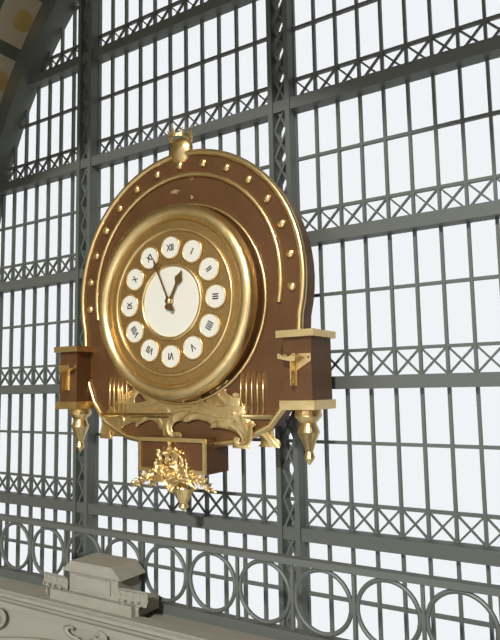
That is 12,56
